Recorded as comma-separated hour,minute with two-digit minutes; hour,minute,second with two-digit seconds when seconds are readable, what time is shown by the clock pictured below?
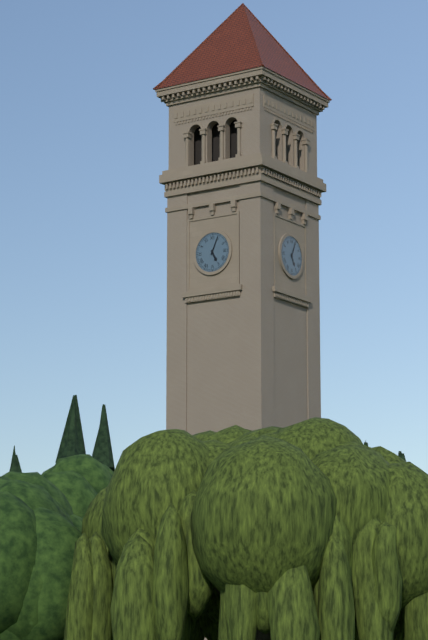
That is 5,04
